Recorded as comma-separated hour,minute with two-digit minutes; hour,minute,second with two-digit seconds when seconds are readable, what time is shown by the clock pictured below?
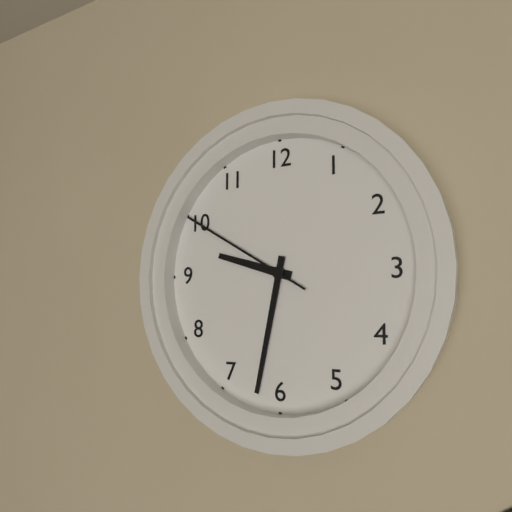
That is 9,32,50
